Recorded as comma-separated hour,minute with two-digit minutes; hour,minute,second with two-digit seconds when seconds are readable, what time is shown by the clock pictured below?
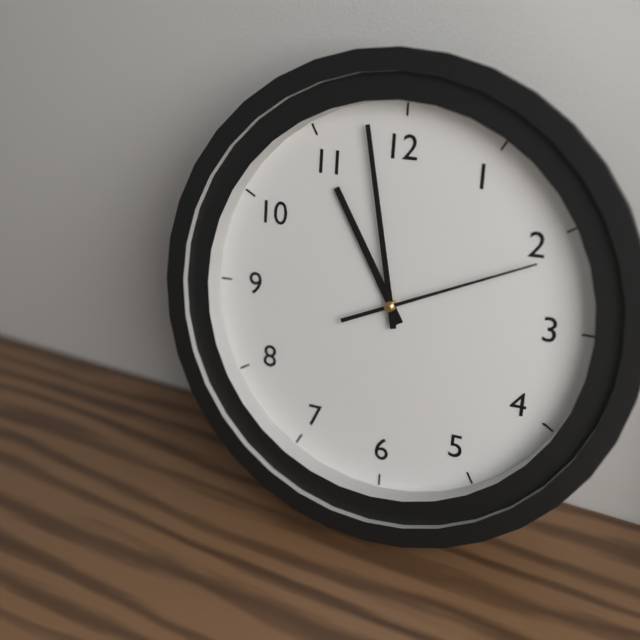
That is 10,58,11
